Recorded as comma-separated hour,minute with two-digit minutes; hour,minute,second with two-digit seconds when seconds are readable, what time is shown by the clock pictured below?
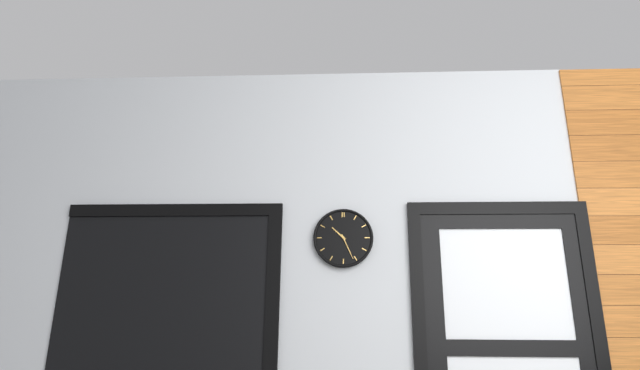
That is 10,26
